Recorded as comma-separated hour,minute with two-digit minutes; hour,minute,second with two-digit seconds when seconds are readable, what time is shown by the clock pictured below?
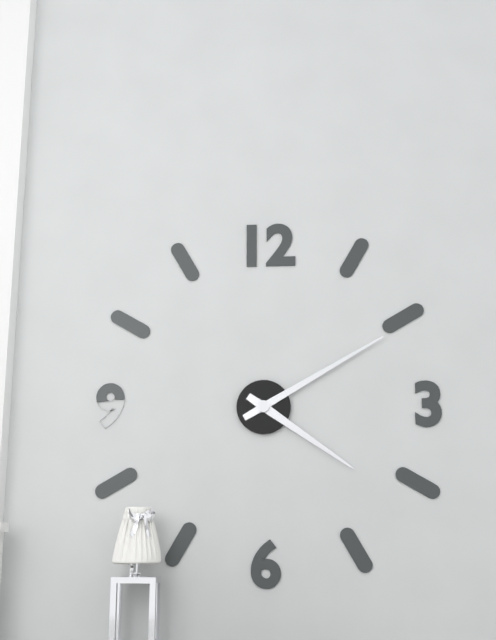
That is 4,10
